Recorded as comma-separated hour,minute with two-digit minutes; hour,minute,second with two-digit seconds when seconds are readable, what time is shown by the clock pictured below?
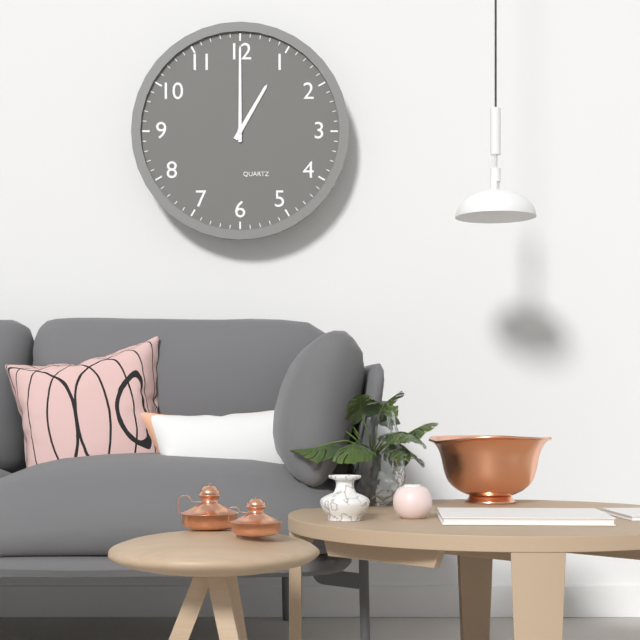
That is 1,00
